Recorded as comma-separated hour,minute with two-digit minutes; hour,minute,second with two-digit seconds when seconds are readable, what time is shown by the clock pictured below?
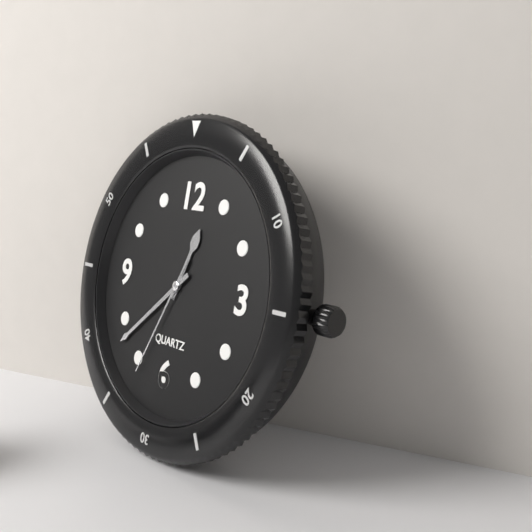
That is 12,38,34
